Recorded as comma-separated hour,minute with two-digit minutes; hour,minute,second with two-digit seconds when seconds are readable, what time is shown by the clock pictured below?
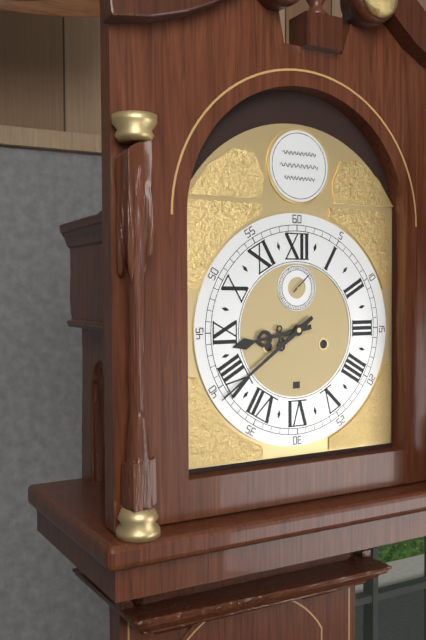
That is 8,39
